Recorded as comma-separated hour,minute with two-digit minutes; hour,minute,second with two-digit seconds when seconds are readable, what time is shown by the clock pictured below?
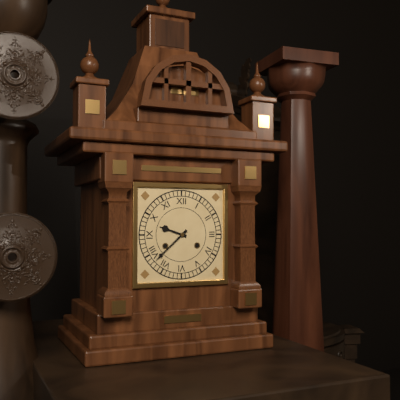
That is 9,38
